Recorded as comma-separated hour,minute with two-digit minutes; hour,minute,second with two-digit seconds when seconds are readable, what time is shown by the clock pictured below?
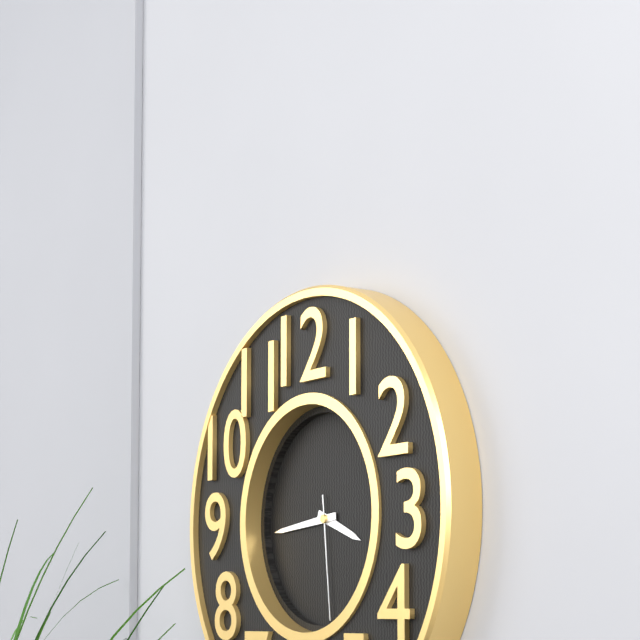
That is 3,44,29
